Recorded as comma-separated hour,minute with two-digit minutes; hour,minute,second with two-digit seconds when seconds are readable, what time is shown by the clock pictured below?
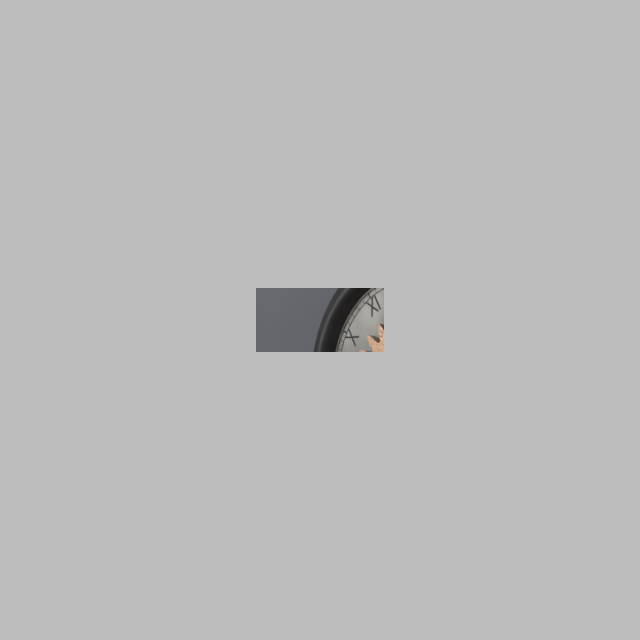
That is 7,17
